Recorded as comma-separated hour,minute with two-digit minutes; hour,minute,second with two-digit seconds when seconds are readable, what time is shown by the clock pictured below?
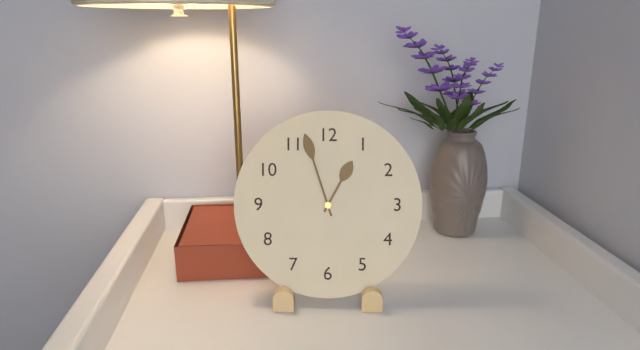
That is 12,57
